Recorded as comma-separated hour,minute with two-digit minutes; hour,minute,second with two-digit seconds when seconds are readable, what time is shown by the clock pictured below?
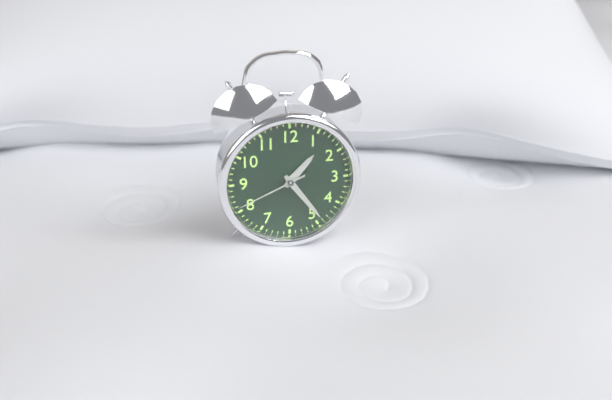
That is 1,24,41
